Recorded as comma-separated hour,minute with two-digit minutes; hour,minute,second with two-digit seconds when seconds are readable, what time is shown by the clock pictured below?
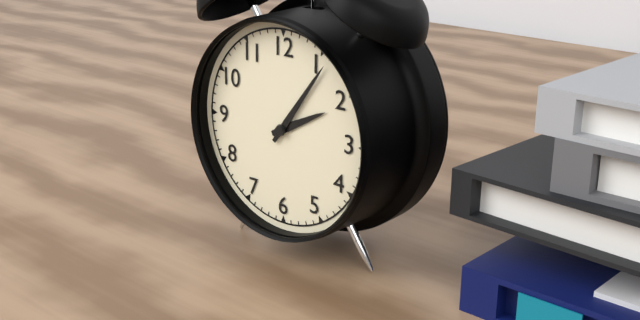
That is 2,06
